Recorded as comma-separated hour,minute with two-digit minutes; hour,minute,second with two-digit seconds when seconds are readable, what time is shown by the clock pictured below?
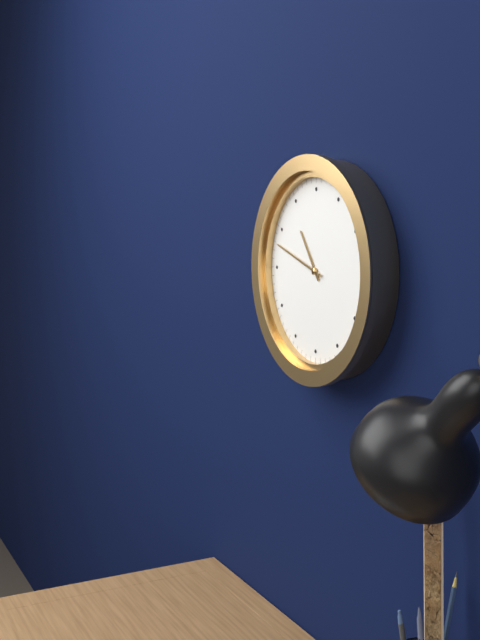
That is 10,48
